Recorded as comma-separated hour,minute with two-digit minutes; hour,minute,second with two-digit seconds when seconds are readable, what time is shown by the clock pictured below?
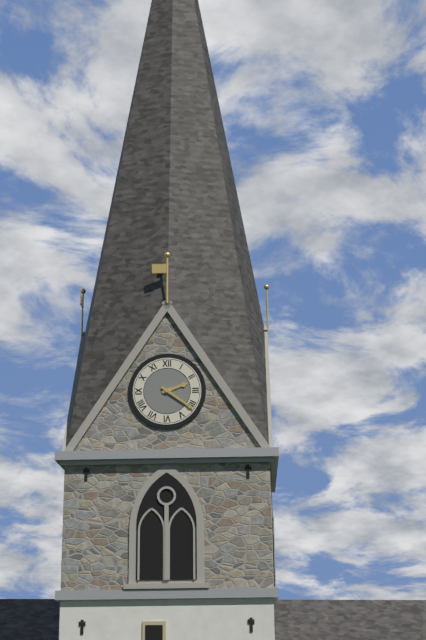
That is 2,21
